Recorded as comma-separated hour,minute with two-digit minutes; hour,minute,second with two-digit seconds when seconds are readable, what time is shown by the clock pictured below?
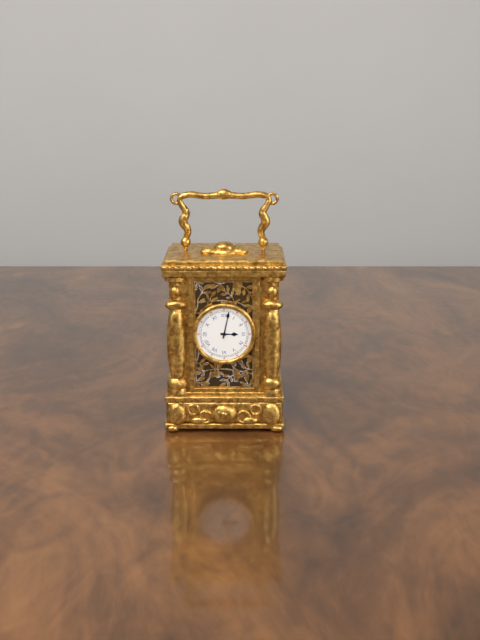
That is 3,02
